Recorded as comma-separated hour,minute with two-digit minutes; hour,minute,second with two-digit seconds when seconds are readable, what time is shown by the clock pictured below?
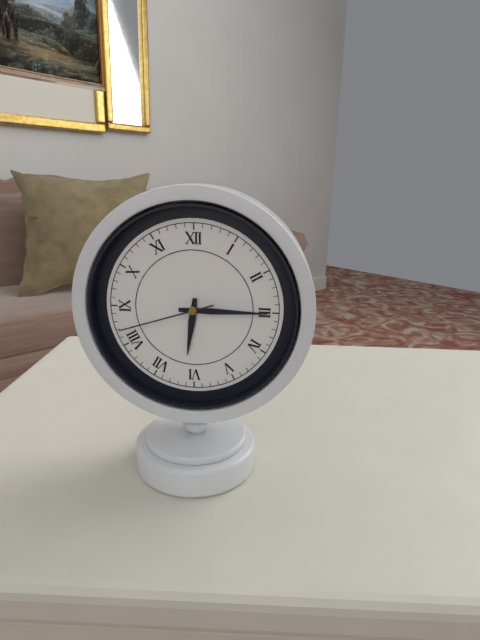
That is 6,15,42
